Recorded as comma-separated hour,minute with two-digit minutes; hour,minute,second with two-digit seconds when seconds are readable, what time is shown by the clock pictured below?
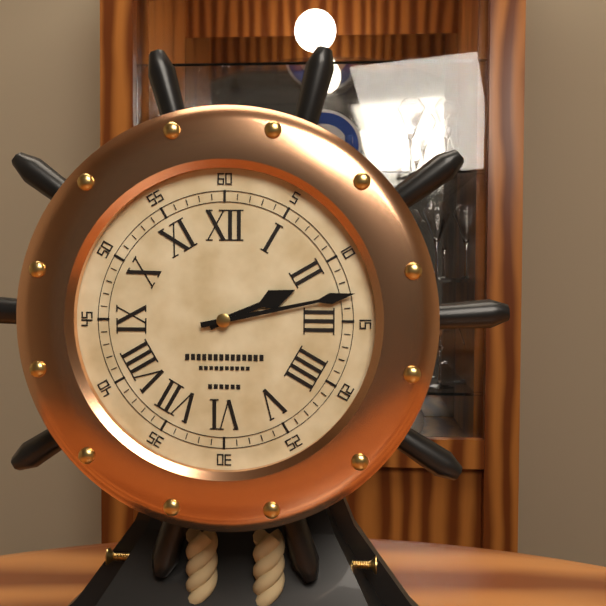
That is 2,13
